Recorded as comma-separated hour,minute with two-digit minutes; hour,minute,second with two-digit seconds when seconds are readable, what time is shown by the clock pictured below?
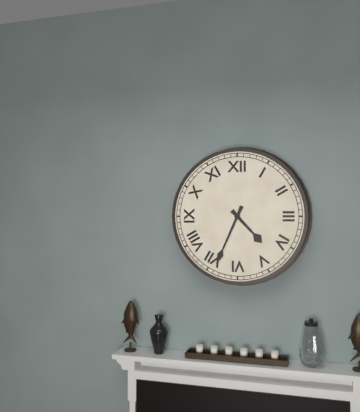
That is 4,34
